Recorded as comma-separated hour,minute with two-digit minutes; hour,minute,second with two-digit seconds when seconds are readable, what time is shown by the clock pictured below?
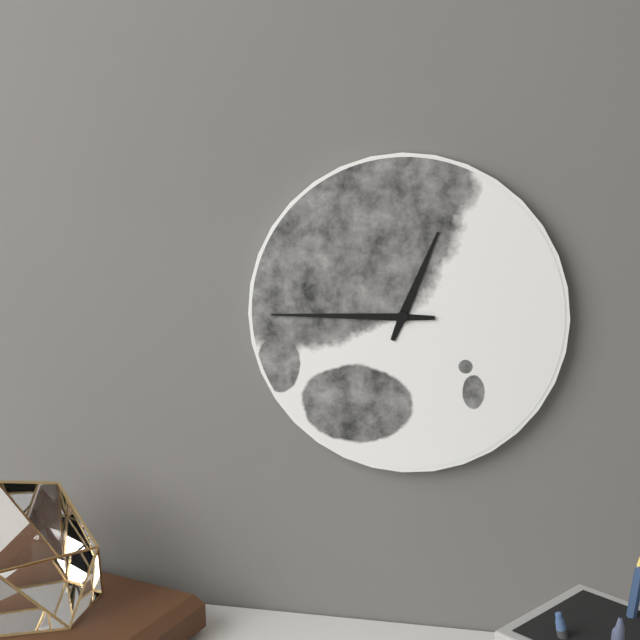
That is 12,45
